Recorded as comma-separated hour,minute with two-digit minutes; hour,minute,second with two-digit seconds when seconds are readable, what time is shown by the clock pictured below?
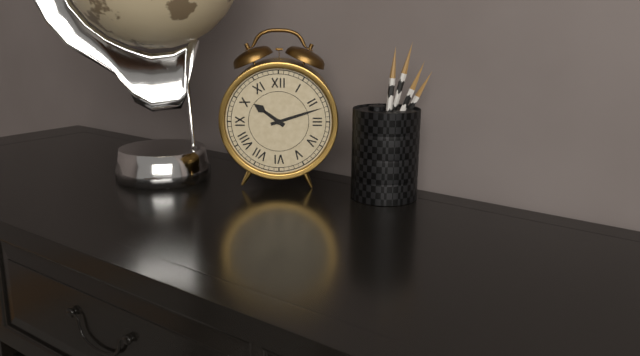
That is 10,12
